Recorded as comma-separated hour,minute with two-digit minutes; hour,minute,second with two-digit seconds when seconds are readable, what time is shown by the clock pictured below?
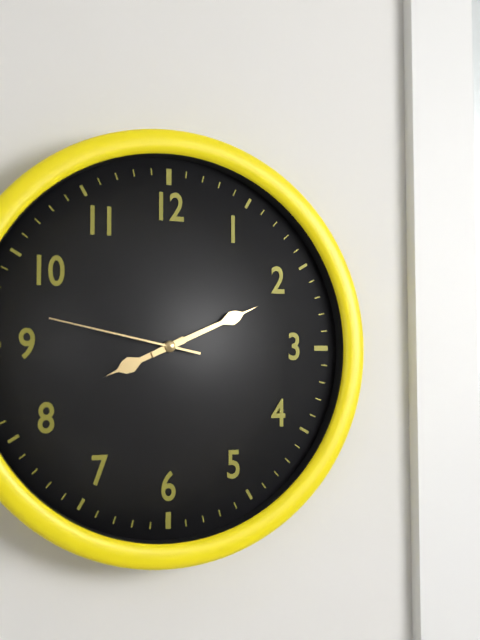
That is 8,11,47
